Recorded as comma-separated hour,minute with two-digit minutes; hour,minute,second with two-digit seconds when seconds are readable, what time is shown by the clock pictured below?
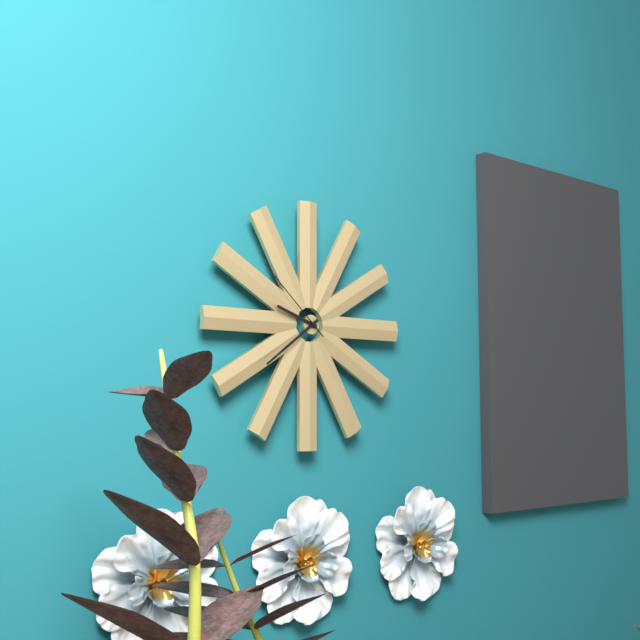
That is 9,39,52
